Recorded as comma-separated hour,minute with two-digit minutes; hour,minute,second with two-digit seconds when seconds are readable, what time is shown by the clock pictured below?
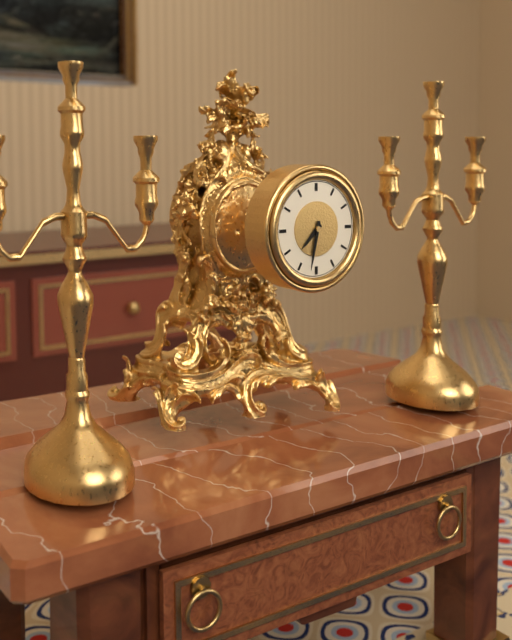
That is 7,32
